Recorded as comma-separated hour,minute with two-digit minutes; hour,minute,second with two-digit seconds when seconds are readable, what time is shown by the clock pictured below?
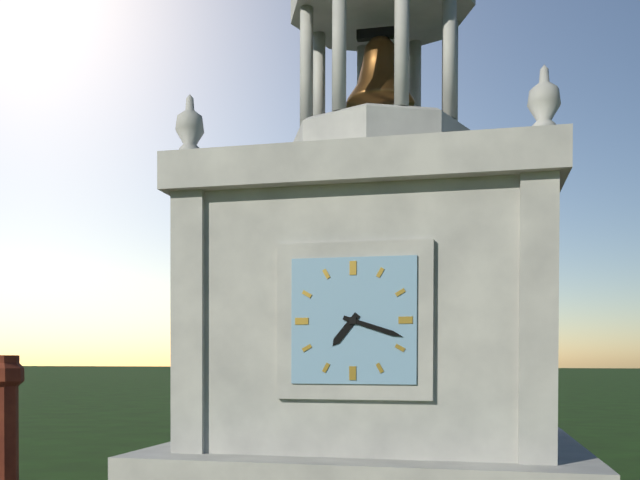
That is 7,18
